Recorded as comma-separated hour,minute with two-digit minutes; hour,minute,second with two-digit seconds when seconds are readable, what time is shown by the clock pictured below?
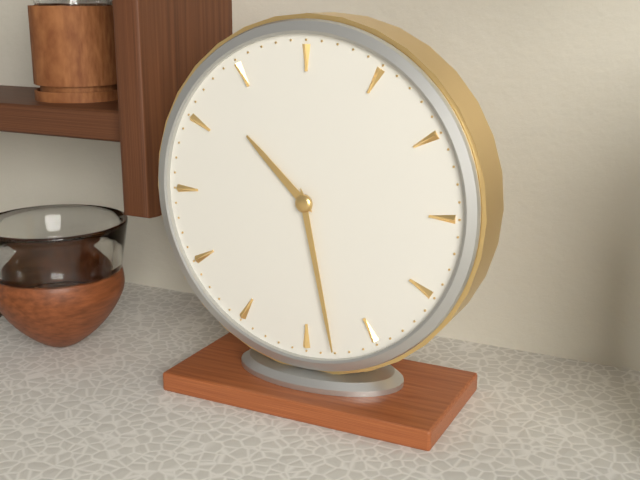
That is 10,28
